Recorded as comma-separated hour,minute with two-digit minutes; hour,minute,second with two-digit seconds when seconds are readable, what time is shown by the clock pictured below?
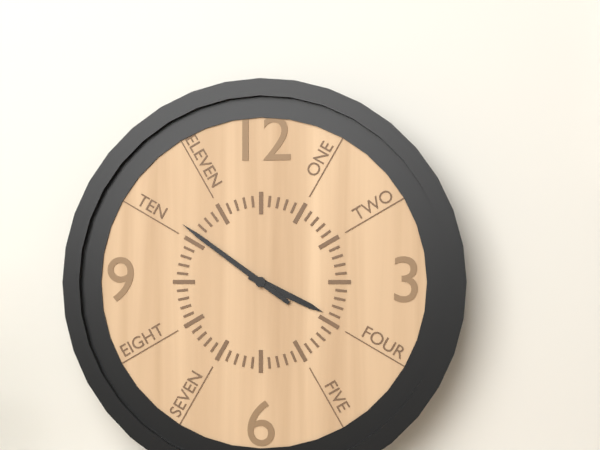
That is 3,51
